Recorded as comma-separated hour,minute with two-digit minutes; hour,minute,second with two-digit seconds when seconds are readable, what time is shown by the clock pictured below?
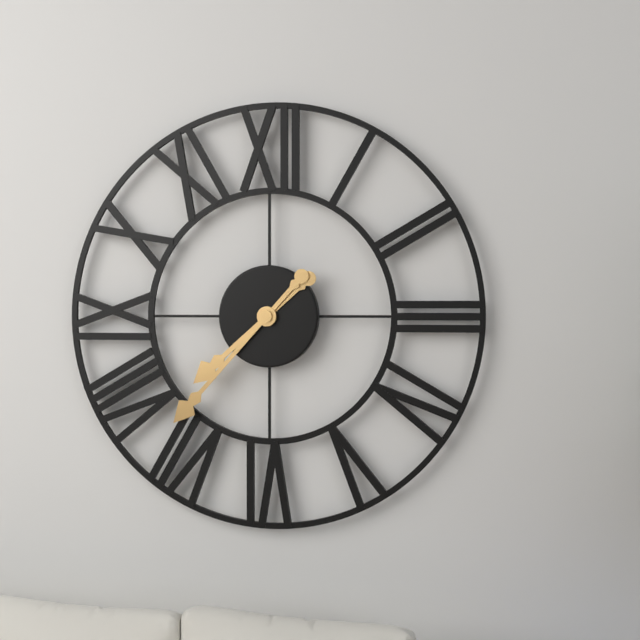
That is 7,37
